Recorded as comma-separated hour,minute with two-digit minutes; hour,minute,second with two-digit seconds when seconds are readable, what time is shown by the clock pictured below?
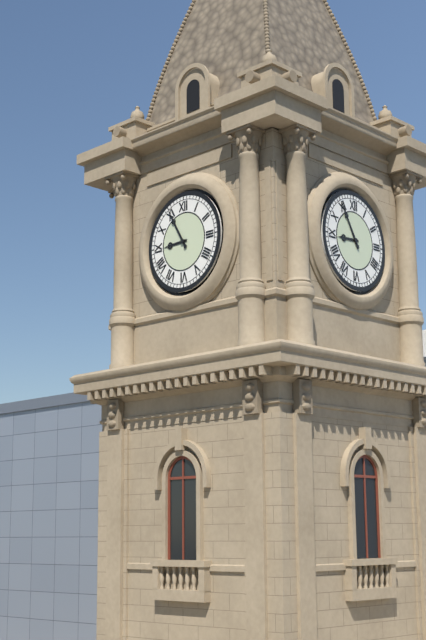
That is 8,55
